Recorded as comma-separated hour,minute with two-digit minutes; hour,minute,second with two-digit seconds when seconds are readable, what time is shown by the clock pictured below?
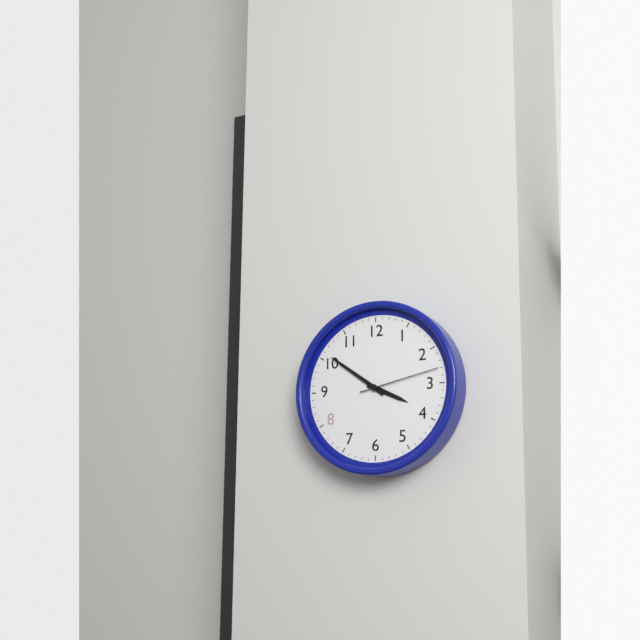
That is 3,51,13
